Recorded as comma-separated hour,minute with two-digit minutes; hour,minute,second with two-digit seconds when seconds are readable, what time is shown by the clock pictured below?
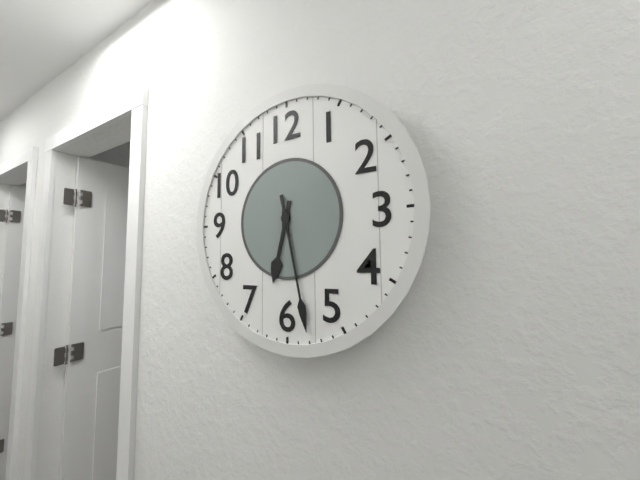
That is 6,28
